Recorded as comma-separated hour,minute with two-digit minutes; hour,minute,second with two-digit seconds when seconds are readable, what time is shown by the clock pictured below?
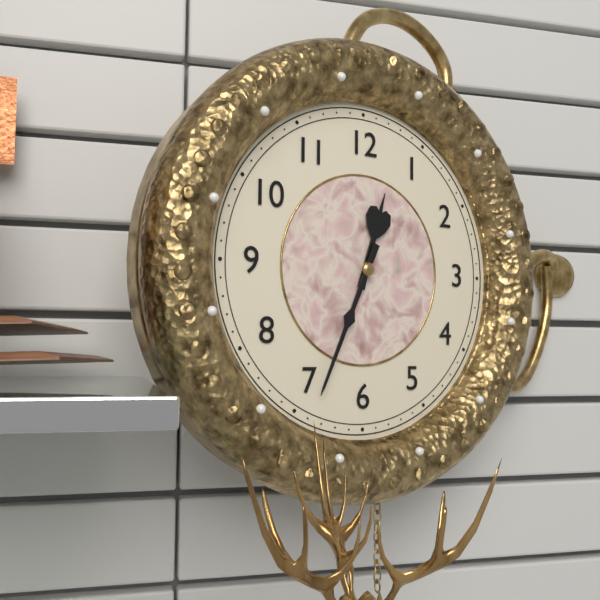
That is 12,34
